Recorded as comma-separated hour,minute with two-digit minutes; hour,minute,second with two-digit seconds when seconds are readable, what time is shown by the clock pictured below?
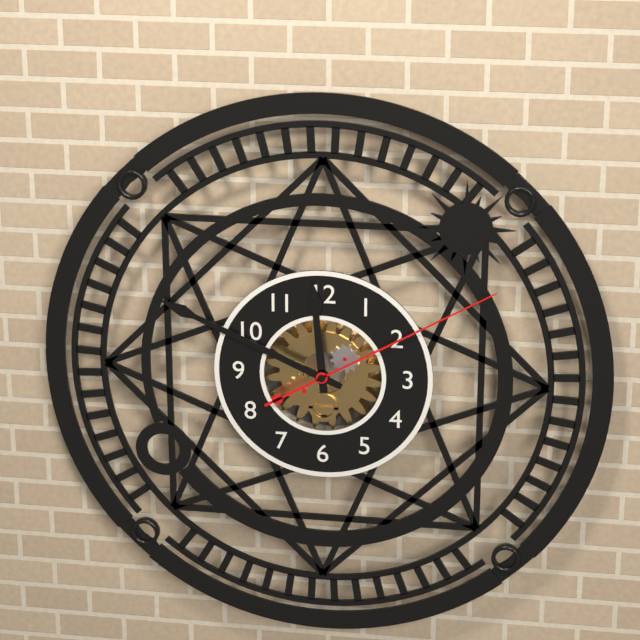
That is 11,49,10
